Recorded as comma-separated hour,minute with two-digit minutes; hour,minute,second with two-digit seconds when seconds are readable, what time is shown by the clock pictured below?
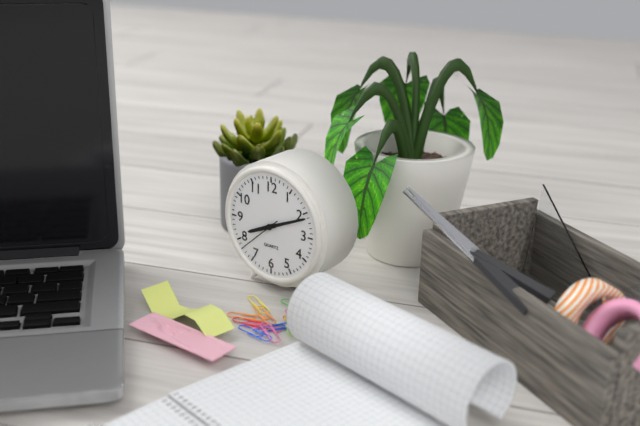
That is 8,11
